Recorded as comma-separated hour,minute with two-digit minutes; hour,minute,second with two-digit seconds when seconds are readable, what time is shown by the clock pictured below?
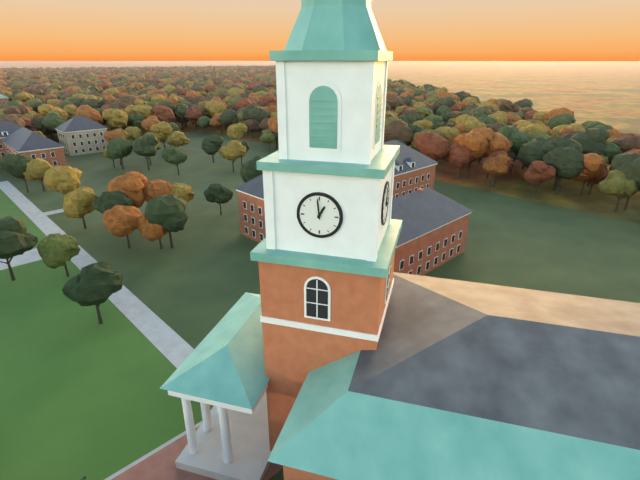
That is 12,59
